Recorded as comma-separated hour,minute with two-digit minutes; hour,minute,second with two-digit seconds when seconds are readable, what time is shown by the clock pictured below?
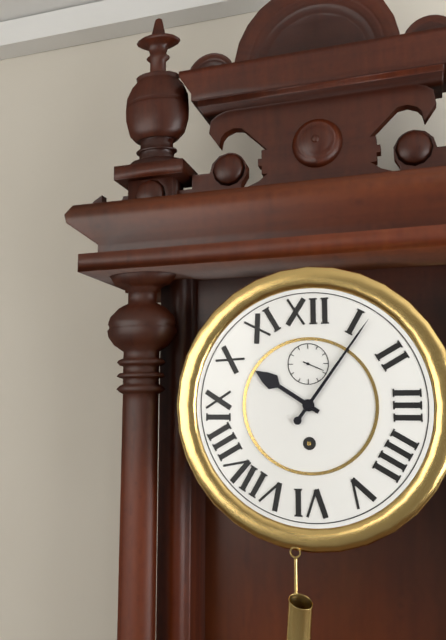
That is 10,06
